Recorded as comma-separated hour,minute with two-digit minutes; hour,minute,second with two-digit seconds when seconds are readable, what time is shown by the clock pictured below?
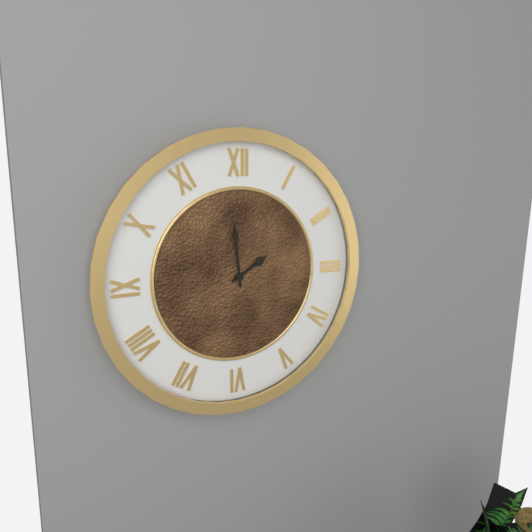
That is 1,59
